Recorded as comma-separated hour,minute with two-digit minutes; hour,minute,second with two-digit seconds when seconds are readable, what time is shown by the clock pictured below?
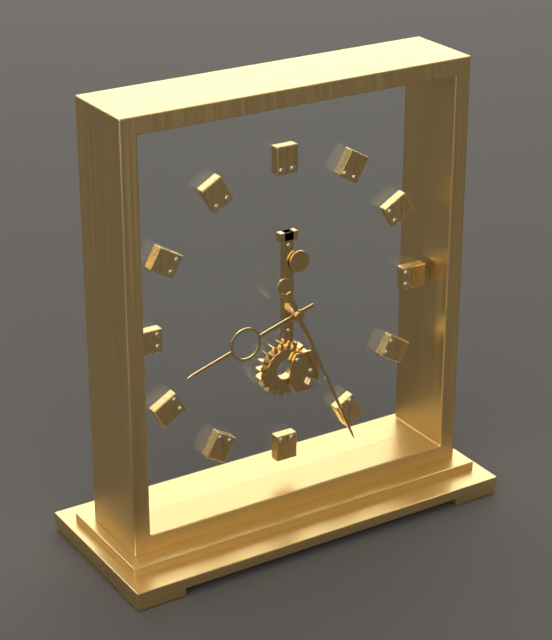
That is 8,26
